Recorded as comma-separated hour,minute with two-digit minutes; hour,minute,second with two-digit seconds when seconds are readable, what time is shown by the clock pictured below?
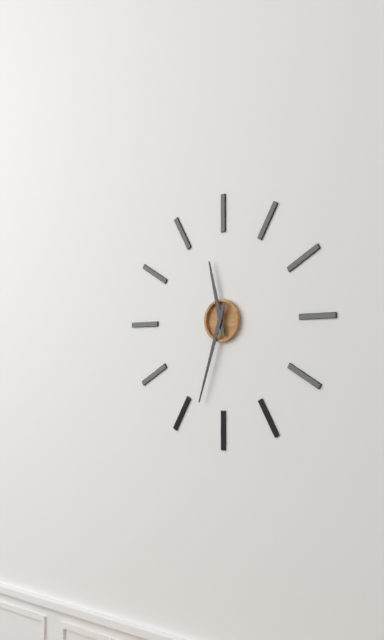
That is 11,33
